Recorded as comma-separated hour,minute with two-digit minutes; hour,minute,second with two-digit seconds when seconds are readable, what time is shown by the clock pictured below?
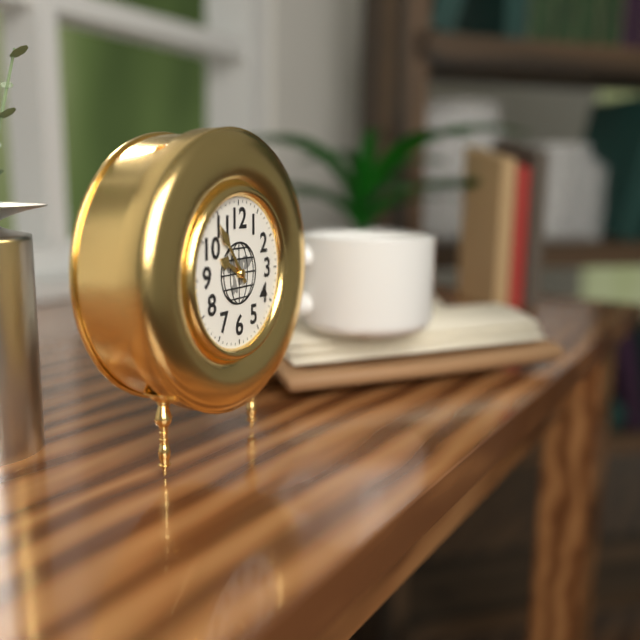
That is 9,54
